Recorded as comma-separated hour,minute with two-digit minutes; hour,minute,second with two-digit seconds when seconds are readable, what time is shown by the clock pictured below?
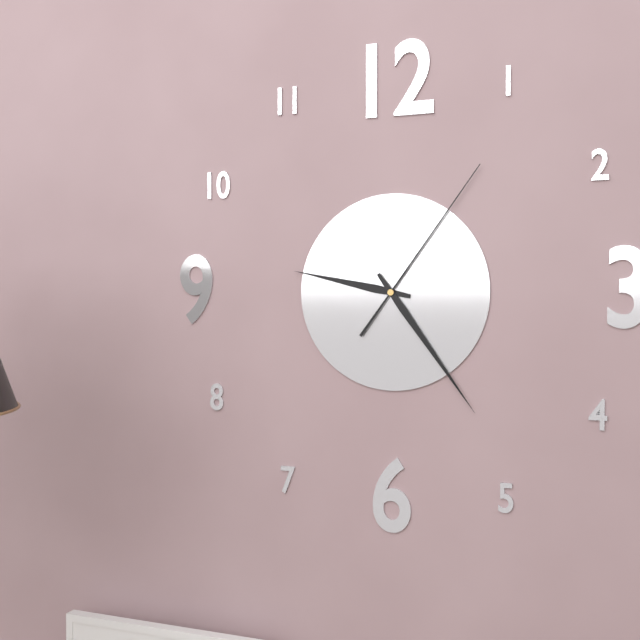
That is 9,24,06
